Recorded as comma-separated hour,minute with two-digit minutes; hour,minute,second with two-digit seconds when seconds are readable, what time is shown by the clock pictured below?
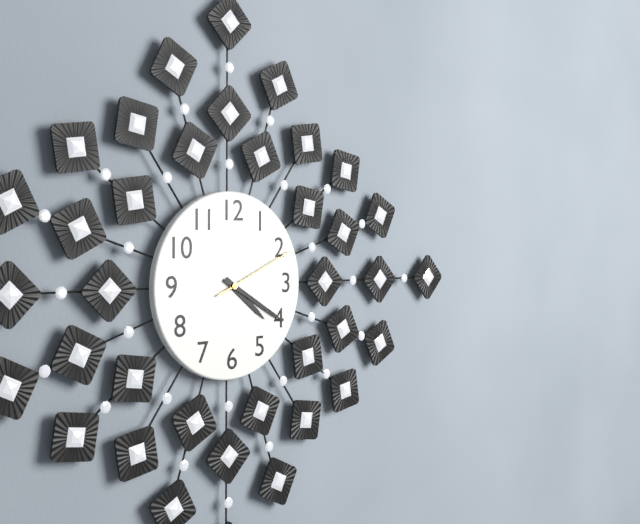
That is 4,20,11
